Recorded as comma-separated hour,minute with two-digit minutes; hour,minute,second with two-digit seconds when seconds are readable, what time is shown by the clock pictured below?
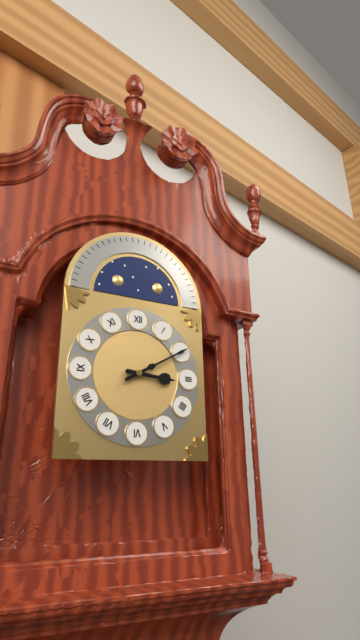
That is 3,10
